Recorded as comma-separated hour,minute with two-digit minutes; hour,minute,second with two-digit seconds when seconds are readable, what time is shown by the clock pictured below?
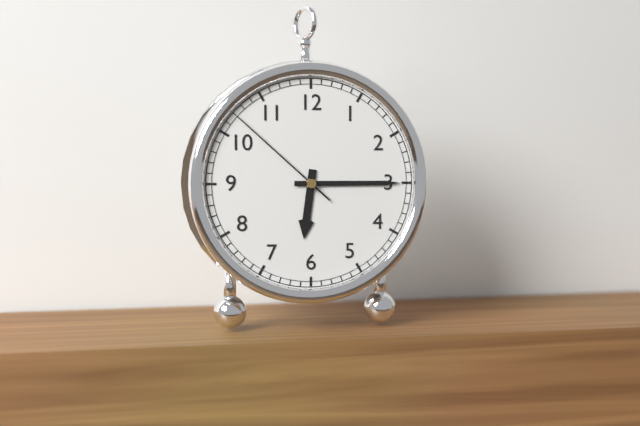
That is 6,15,52
